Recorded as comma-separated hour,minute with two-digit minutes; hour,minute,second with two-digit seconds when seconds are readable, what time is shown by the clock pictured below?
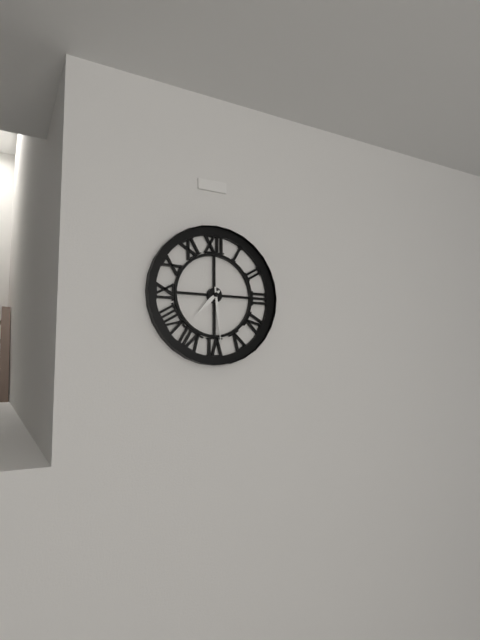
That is 7,29
